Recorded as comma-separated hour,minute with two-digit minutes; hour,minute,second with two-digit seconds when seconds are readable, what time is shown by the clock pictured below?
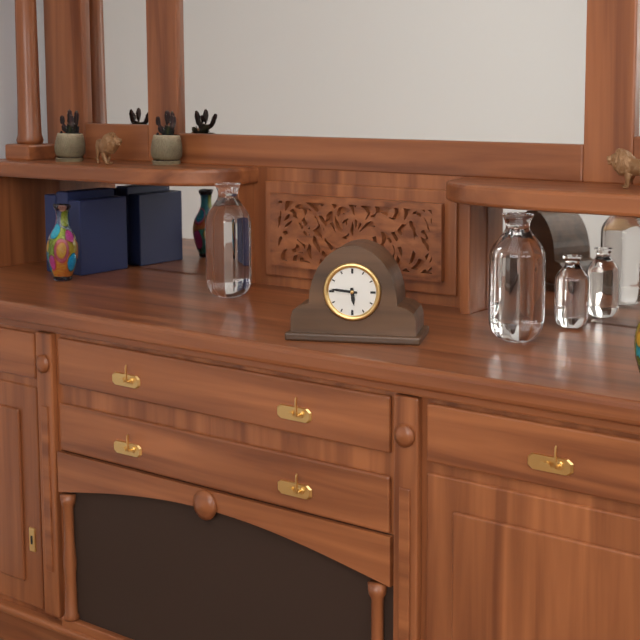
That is 5,46
